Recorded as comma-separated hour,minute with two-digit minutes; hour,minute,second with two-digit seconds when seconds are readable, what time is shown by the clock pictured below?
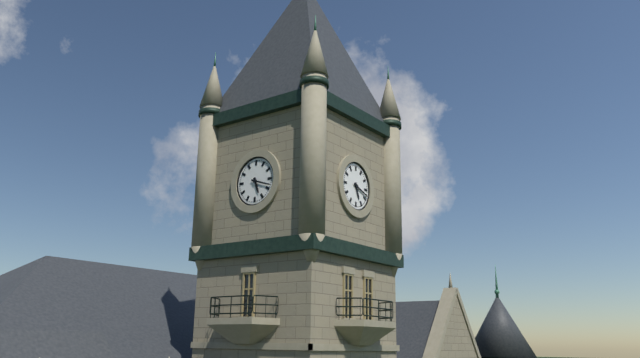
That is 5,18
